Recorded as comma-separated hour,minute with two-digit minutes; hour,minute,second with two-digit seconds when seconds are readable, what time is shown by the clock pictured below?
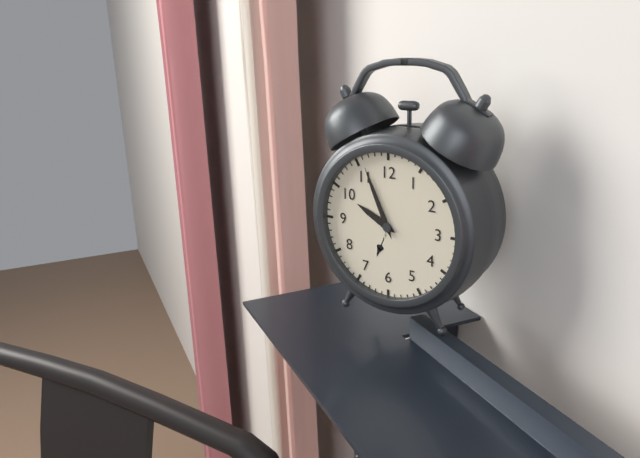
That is 9,56
